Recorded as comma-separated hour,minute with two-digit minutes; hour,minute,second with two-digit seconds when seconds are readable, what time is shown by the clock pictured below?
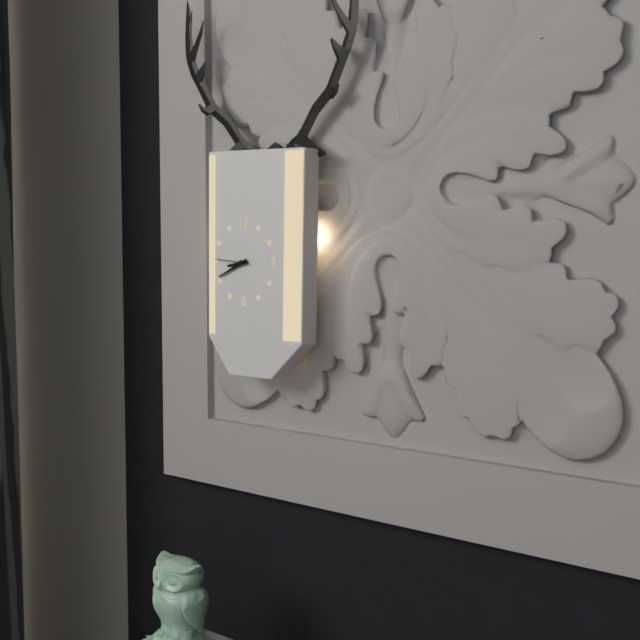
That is 8,41
